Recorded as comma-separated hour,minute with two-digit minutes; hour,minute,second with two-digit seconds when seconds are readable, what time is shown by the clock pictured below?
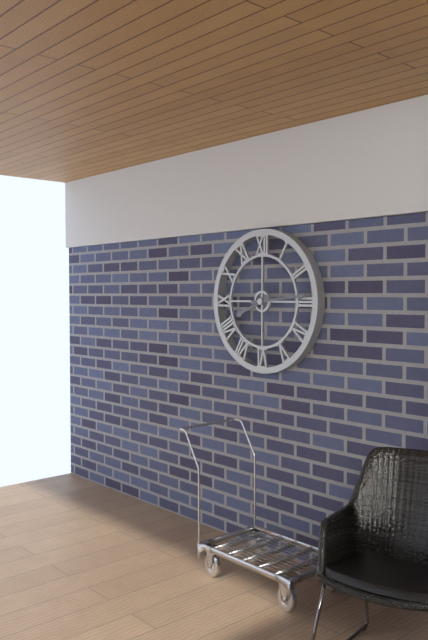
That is 8,14
